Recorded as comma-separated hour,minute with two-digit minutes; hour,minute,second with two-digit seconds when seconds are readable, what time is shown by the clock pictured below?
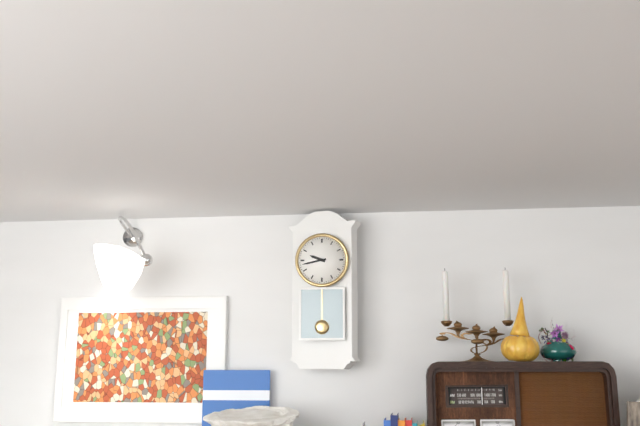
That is 9,43
